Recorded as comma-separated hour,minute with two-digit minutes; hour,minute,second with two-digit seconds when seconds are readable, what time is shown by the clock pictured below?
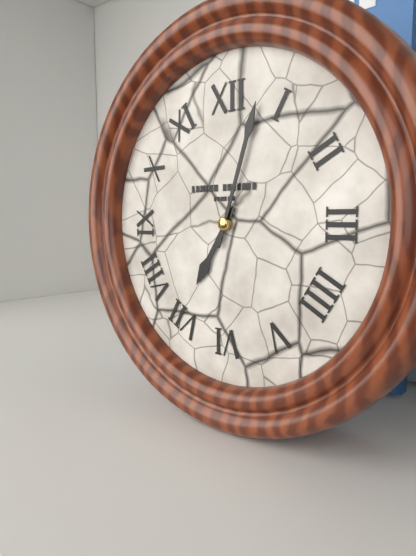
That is 7,03
